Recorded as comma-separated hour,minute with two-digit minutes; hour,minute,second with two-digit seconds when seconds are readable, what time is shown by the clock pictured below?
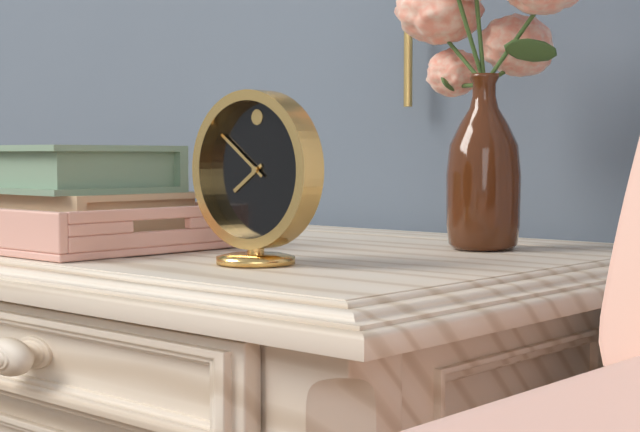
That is 7,51
